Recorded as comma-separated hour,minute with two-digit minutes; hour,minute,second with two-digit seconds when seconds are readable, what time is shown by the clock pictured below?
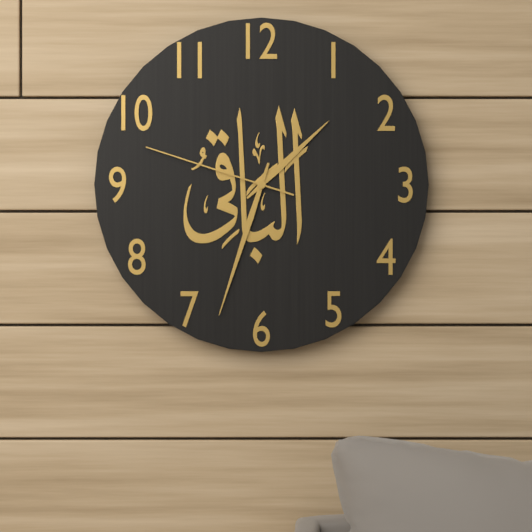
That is 1,33,48
